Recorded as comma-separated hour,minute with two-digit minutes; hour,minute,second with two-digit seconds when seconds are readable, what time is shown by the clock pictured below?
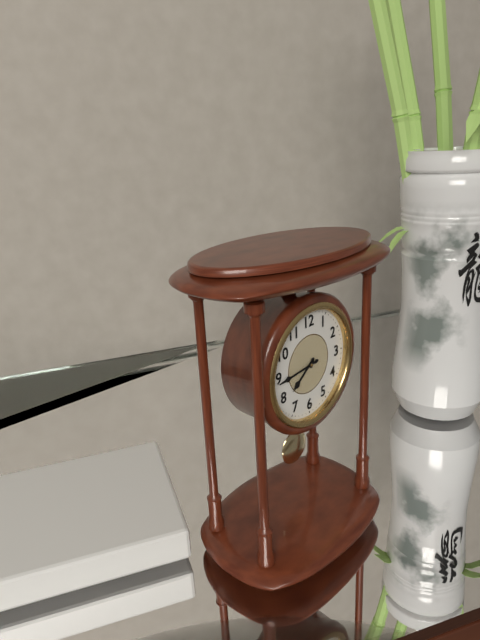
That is 7,44
